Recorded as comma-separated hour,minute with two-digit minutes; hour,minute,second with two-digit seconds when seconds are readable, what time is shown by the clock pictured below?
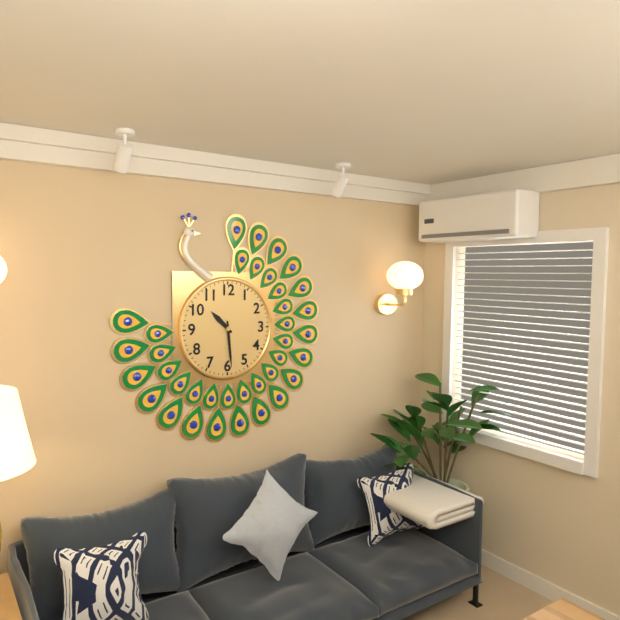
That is 10,29
